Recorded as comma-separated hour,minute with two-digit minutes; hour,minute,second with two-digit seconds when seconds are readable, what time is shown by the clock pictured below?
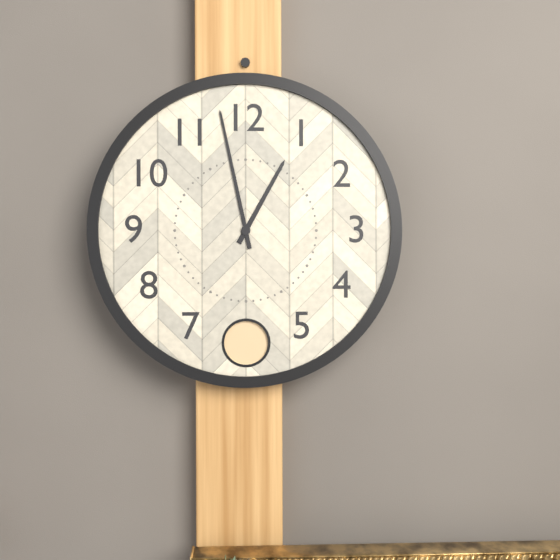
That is 12,58
